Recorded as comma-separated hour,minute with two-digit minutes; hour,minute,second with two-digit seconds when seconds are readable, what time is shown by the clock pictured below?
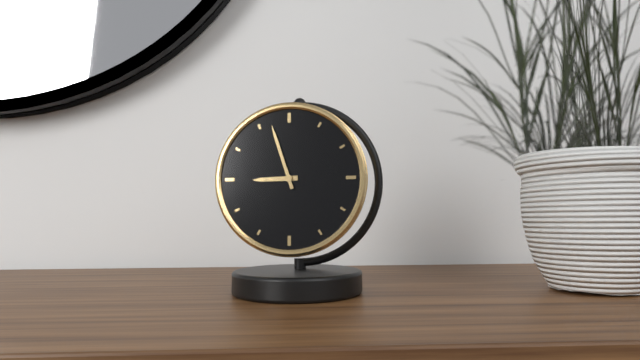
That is 8,57
